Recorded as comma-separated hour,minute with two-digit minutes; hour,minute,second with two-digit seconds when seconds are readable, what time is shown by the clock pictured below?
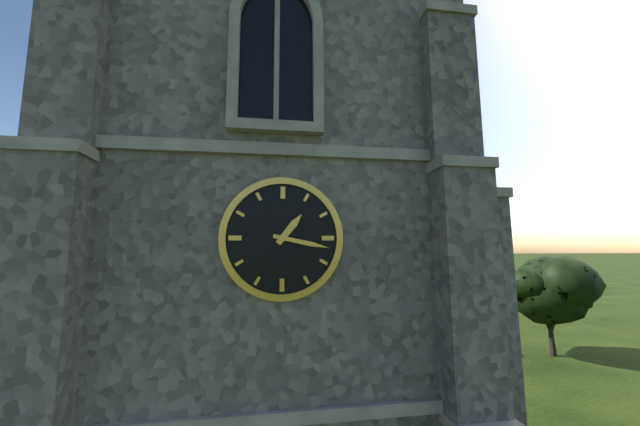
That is 1,17
